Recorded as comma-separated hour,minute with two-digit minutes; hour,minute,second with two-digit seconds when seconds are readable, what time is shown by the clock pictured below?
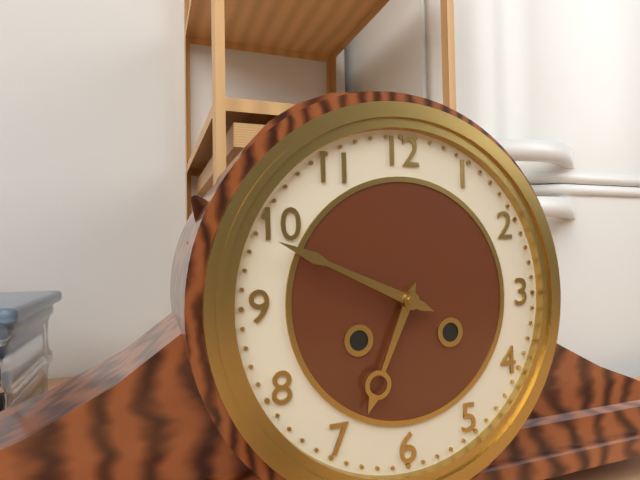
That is 6,49
